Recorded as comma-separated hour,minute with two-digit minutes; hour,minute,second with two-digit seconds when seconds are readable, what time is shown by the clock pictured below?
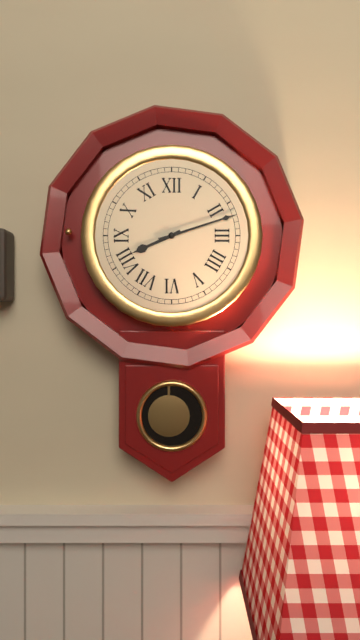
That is 8,12
